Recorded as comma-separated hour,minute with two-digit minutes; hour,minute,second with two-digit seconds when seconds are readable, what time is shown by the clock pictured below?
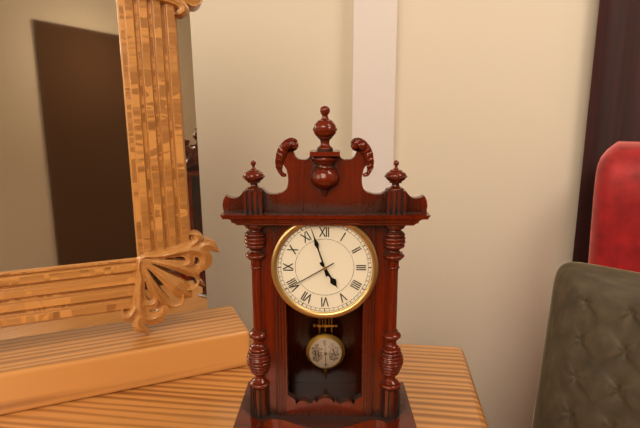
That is 4,57,40
